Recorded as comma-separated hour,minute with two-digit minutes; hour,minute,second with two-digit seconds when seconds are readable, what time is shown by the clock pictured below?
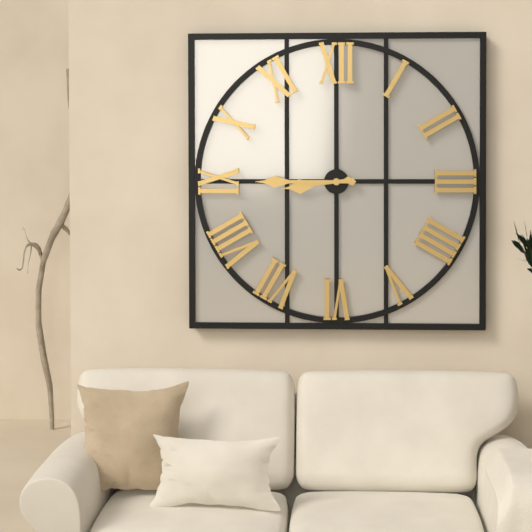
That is 8,45
